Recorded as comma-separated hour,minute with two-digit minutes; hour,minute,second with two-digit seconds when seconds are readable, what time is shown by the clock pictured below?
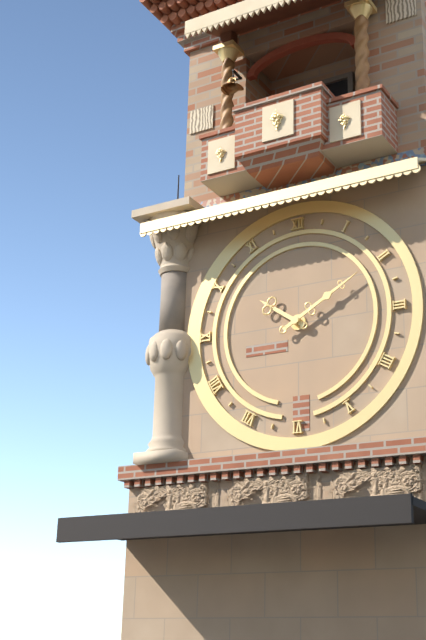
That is 10,10
